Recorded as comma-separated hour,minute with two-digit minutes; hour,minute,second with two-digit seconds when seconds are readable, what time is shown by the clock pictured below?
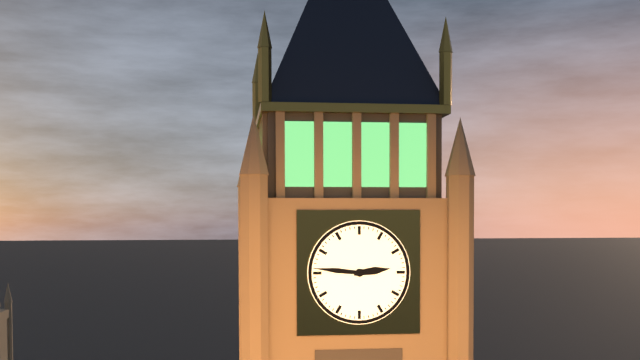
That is 2,46
